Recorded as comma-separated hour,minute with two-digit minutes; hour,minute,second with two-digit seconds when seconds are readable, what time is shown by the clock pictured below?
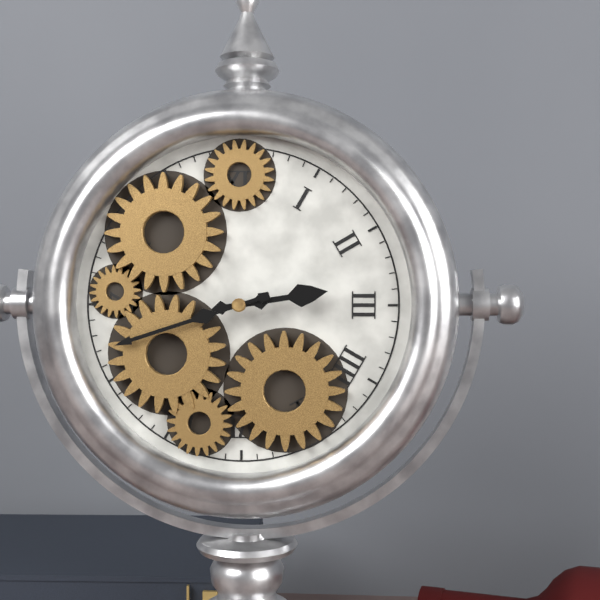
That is 2,42
